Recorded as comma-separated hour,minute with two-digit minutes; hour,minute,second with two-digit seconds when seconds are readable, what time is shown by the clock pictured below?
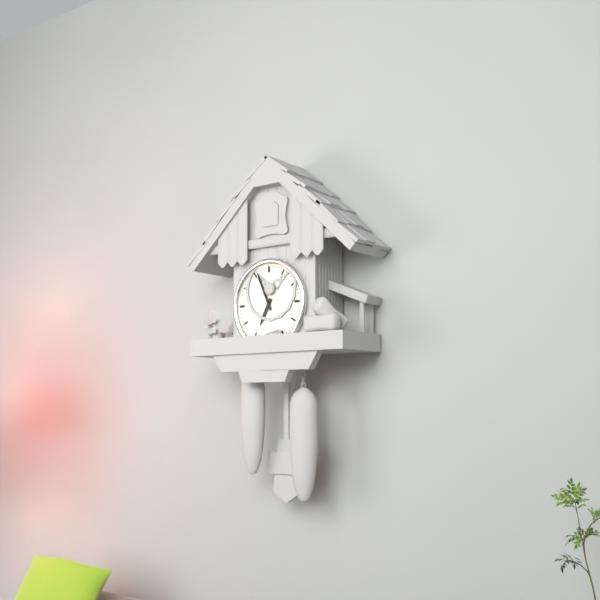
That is 6,56
